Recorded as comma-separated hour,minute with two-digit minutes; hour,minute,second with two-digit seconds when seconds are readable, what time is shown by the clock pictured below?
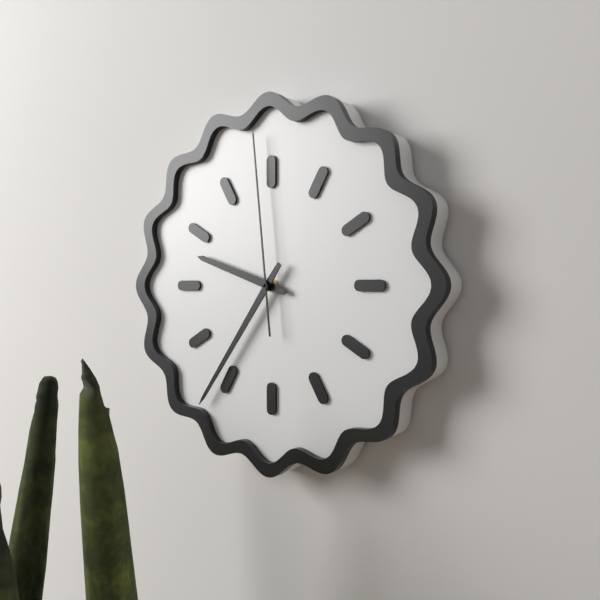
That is 9,36,59
